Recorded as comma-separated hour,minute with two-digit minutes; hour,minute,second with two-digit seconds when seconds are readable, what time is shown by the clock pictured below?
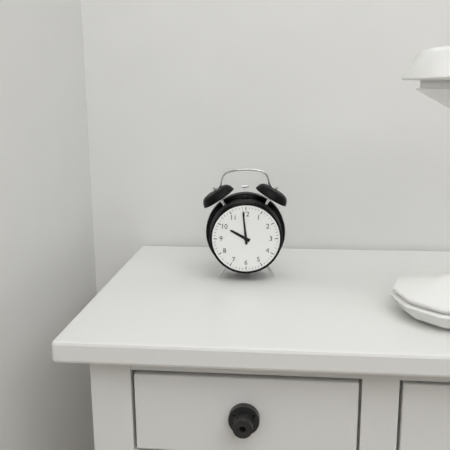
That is 9,59
